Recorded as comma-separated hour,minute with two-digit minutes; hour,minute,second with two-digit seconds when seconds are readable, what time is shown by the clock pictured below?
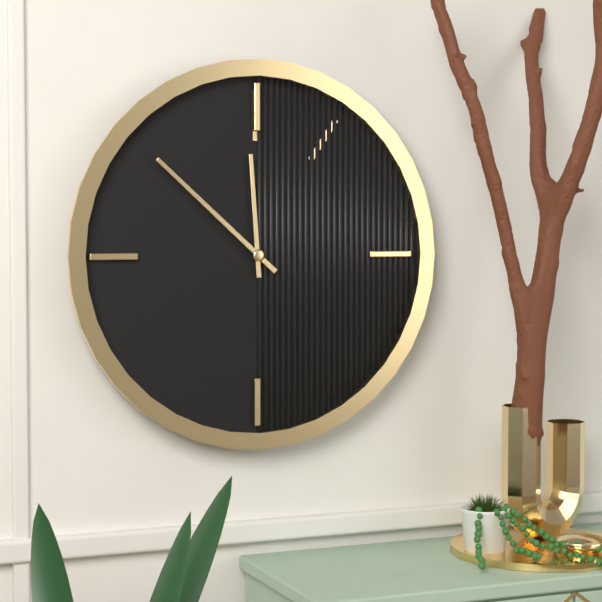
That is 11,52
